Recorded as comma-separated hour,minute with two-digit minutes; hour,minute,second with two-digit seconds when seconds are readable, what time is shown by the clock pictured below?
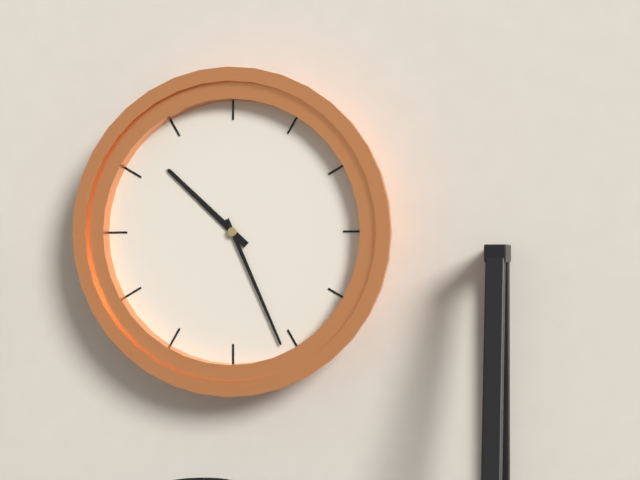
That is 10,26
